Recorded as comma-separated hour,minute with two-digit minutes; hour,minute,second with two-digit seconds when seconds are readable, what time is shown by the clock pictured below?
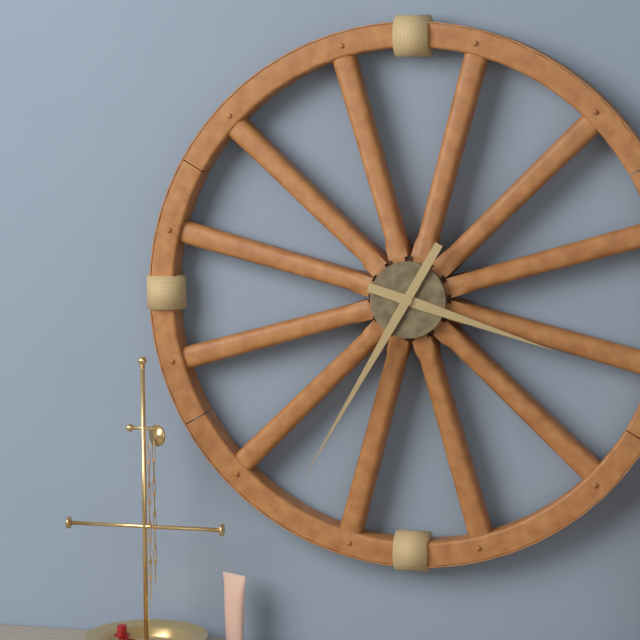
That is 3,35
